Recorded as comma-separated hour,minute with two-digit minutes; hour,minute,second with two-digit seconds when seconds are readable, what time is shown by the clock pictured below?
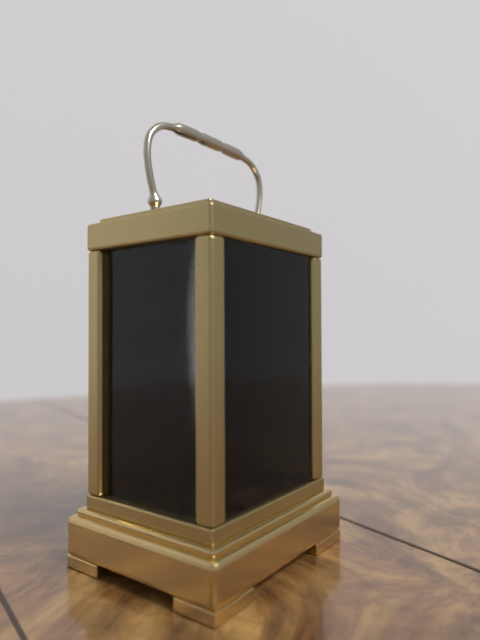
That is 6,30
